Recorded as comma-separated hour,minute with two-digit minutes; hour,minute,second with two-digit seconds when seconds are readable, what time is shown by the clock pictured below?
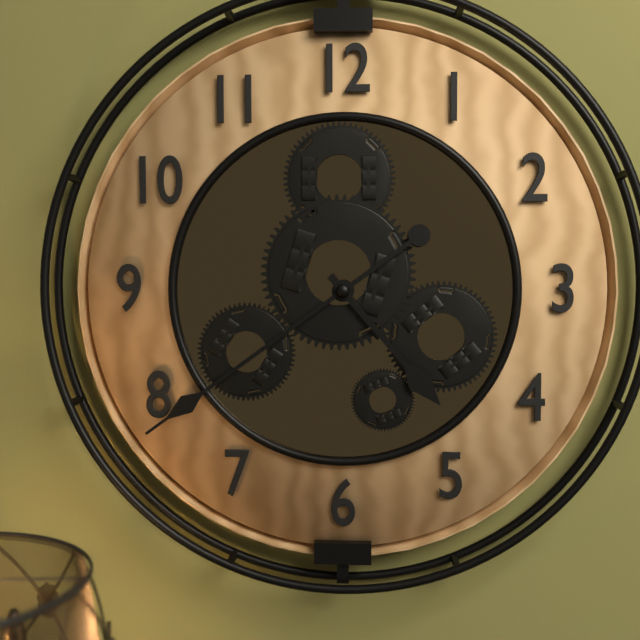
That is 4,39
